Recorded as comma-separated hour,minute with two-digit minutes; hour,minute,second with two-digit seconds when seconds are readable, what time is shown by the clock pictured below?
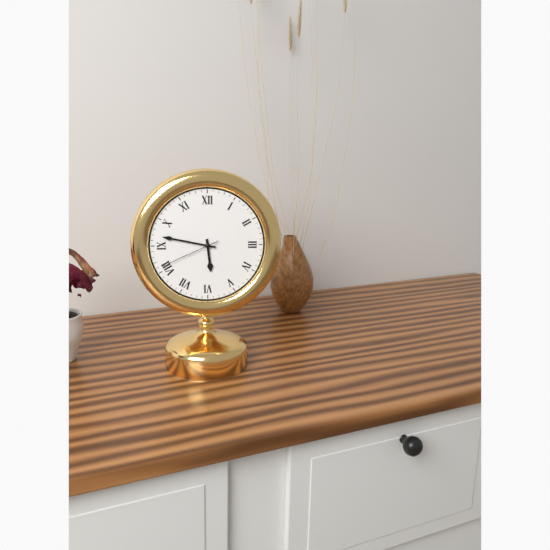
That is 5,47,41
